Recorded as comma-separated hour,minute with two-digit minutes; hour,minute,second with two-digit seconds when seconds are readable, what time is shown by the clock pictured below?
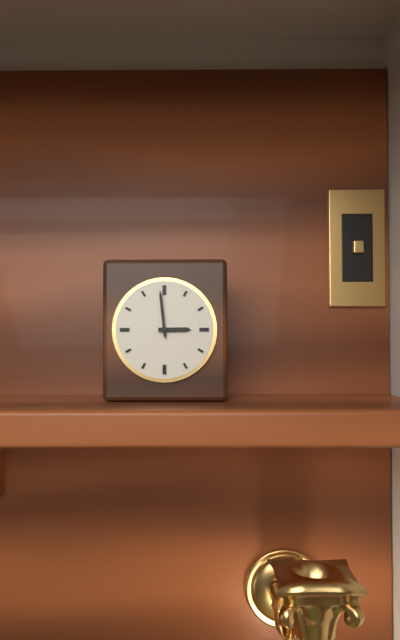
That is 2,59
